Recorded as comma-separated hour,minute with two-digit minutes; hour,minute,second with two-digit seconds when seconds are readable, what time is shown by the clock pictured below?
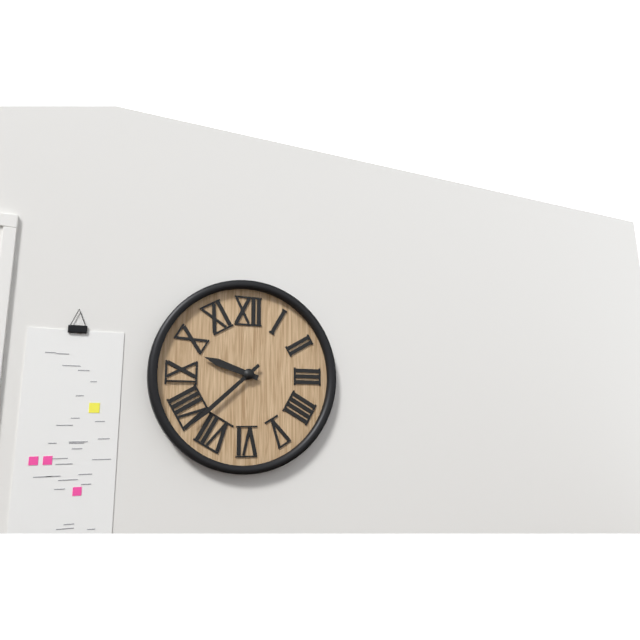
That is 9,38
